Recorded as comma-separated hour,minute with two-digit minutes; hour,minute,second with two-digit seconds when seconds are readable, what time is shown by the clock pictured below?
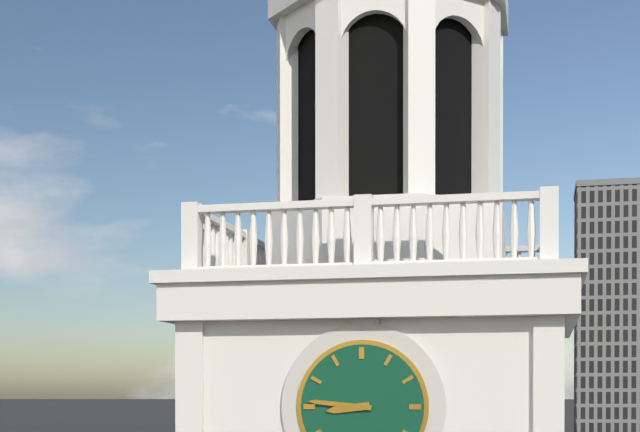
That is 8,46
